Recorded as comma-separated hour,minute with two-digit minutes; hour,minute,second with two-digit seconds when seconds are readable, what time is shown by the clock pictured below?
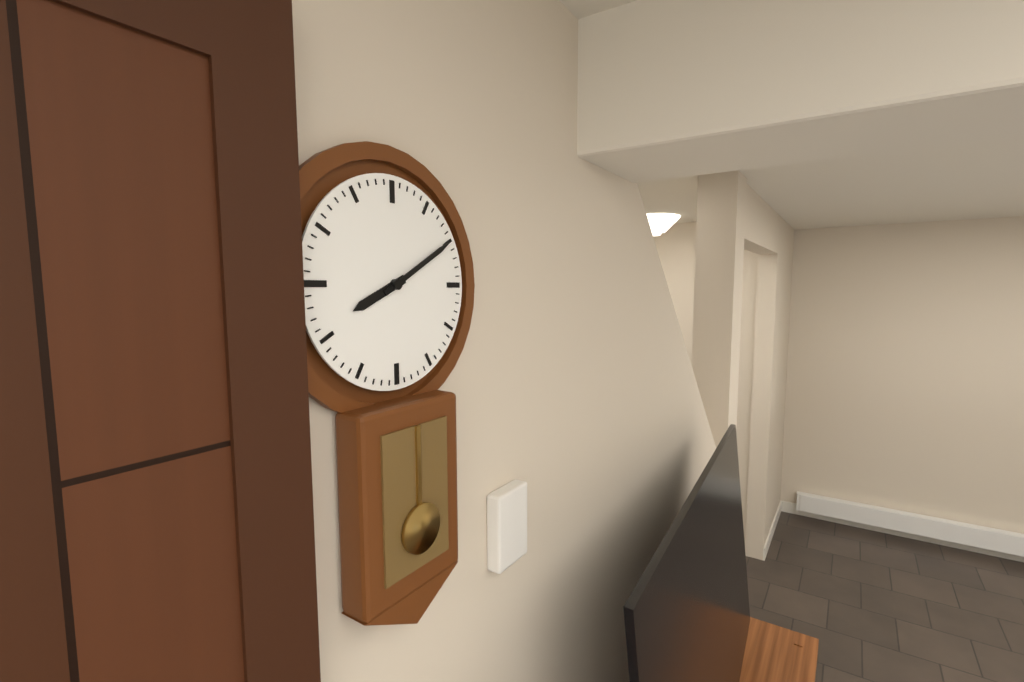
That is 8,10
